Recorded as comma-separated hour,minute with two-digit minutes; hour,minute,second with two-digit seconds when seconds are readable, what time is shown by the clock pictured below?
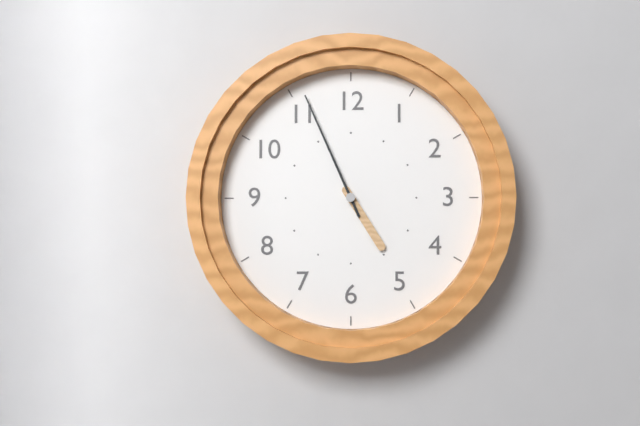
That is 4,56
